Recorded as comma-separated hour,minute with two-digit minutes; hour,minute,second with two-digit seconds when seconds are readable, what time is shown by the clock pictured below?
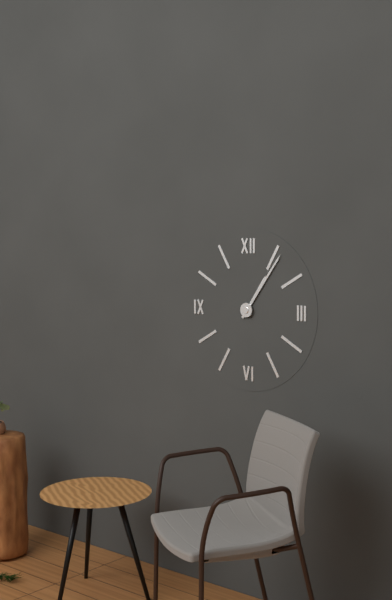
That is 1,06
